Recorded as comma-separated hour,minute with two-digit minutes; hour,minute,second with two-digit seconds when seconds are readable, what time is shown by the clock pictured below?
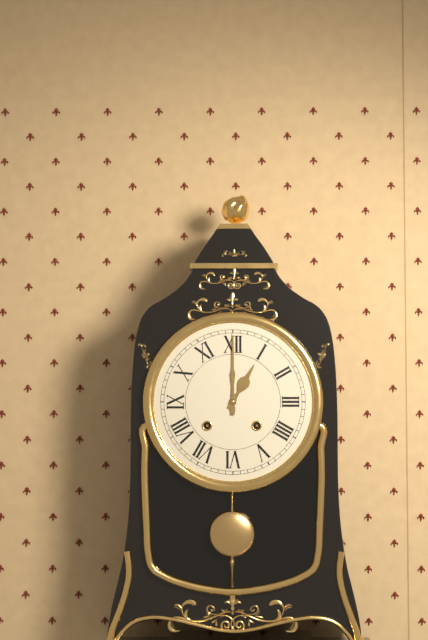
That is 1,00
